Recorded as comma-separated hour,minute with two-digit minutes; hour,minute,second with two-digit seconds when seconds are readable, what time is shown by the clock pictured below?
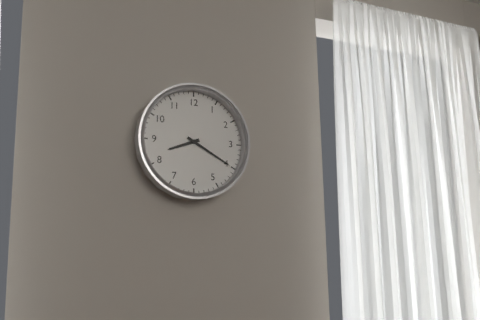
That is 8,20
